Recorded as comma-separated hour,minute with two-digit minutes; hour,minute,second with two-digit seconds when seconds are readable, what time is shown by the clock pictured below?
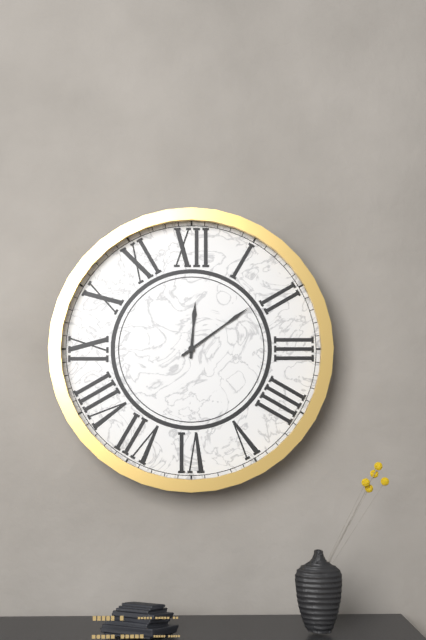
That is 12,09
